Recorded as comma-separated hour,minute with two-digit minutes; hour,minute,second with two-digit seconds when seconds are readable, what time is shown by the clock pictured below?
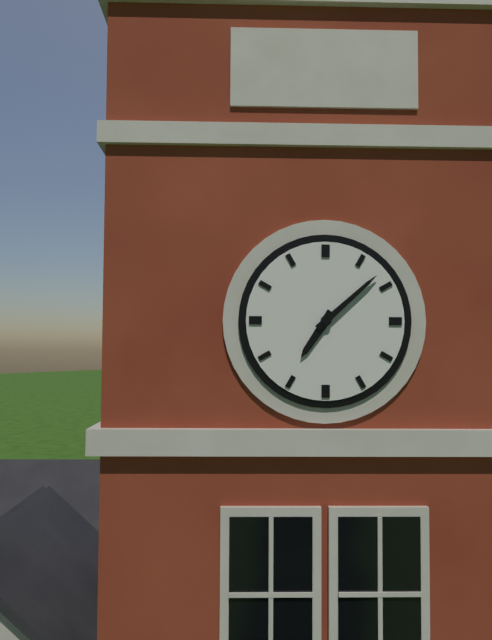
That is 7,08
